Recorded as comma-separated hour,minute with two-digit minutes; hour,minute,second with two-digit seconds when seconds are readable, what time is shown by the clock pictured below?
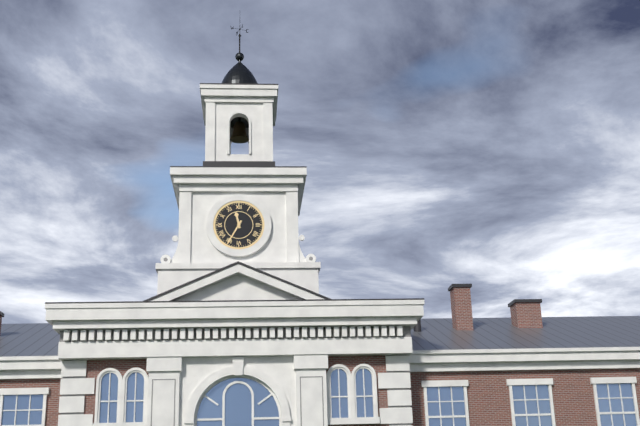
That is 11,35
